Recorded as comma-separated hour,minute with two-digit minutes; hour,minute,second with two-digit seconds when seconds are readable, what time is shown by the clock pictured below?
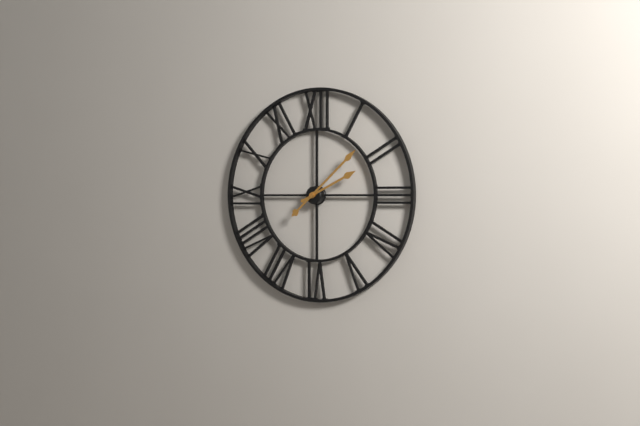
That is 2,08
